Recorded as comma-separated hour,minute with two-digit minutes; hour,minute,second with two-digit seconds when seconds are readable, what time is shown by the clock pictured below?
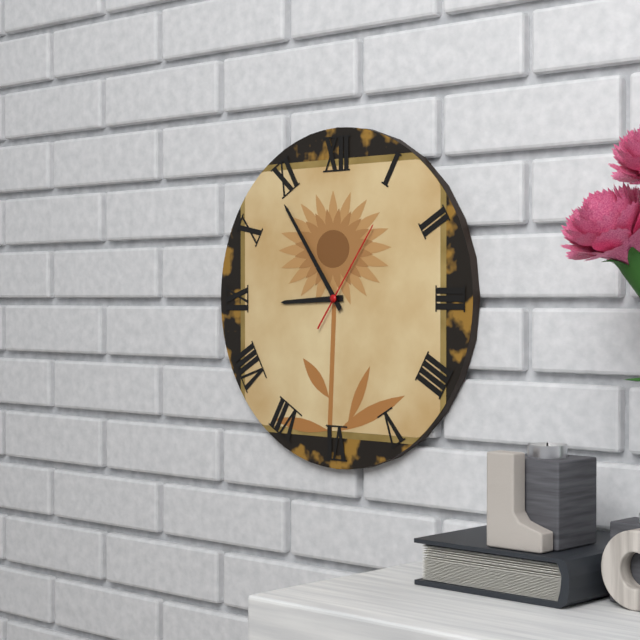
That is 8,54,06
